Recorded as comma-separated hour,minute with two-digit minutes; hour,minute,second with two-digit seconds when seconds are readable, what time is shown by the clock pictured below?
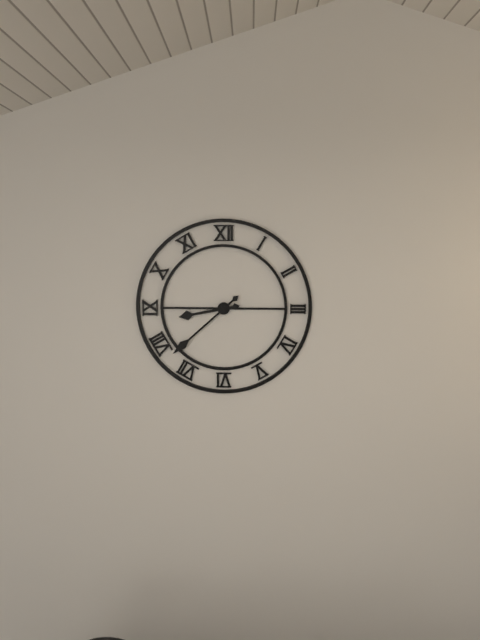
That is 8,38
